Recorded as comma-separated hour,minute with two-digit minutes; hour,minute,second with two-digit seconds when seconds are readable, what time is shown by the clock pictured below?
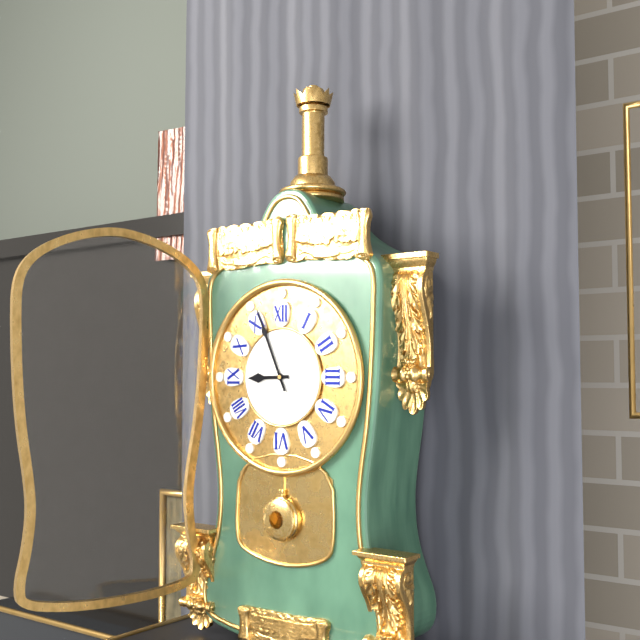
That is 8,56
